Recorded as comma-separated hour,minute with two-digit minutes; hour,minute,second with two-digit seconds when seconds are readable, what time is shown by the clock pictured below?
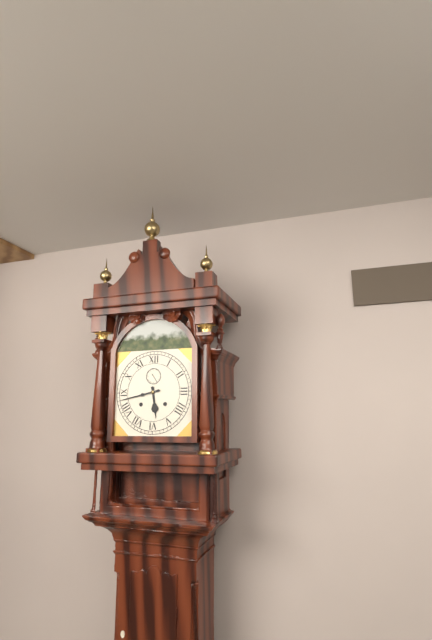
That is 5,43
